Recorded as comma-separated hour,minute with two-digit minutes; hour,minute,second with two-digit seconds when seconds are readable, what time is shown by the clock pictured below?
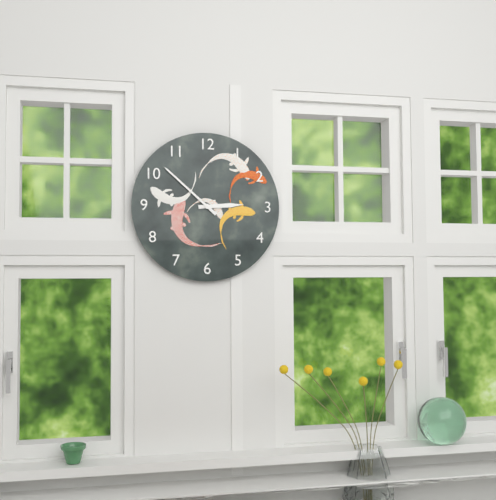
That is 2,52
